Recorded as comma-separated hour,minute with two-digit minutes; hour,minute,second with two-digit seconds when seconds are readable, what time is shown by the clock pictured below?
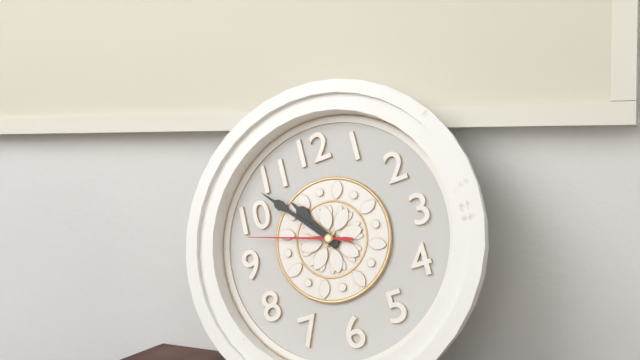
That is 10,53,48
